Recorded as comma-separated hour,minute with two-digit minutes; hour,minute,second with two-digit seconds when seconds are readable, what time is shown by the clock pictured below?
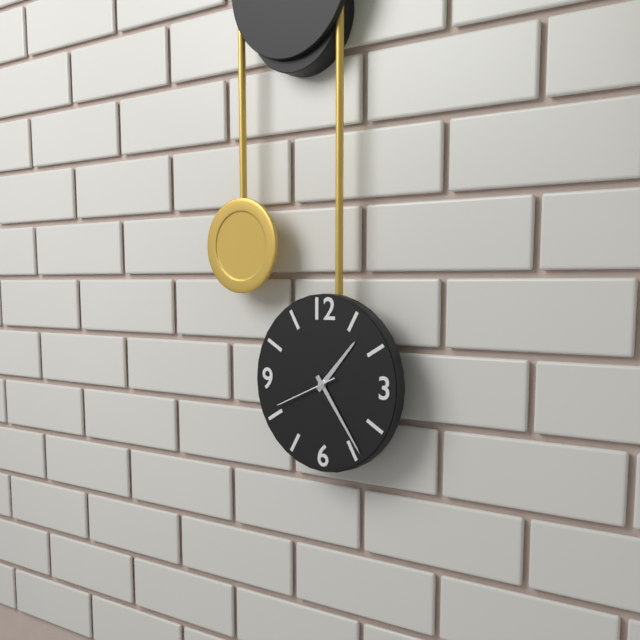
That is 1,24,41
